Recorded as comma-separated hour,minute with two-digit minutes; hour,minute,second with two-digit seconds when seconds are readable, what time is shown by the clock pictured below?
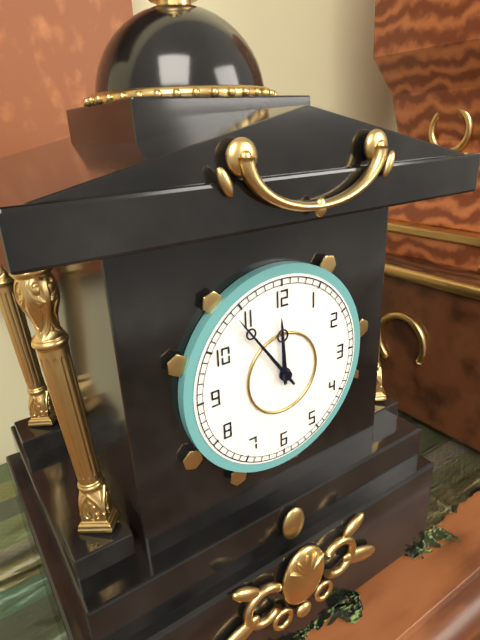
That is 11,54
